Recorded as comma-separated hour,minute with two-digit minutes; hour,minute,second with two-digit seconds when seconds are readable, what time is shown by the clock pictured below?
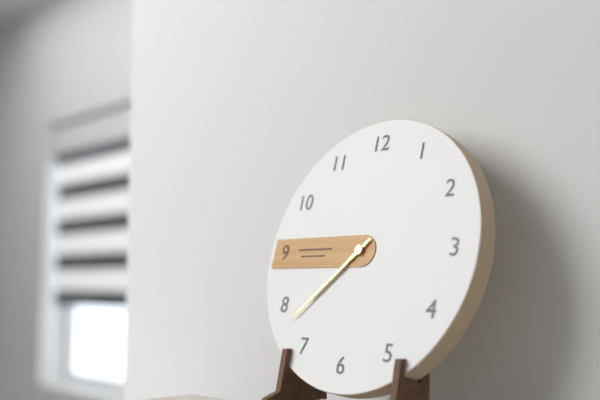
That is 7,38
